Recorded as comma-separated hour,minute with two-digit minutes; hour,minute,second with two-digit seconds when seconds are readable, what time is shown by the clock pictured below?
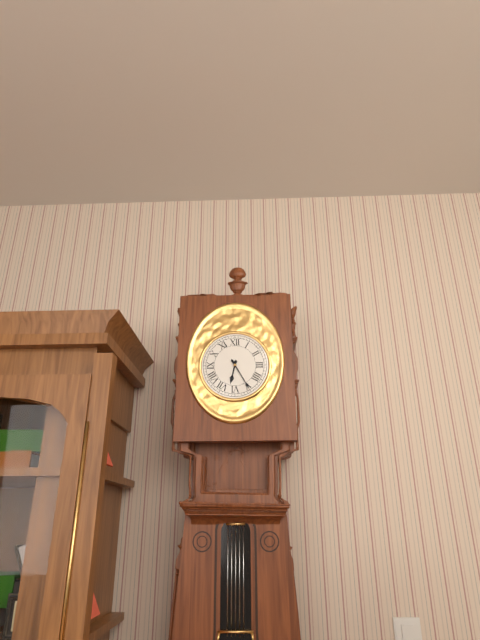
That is 6,25
